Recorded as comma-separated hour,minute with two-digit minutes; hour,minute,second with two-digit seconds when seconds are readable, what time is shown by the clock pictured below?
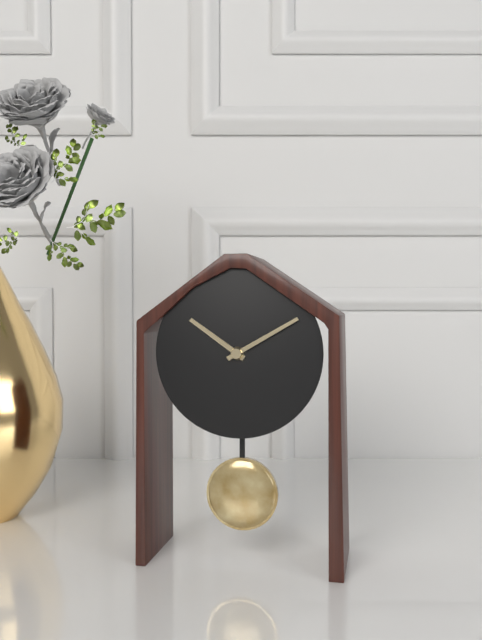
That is 10,10
